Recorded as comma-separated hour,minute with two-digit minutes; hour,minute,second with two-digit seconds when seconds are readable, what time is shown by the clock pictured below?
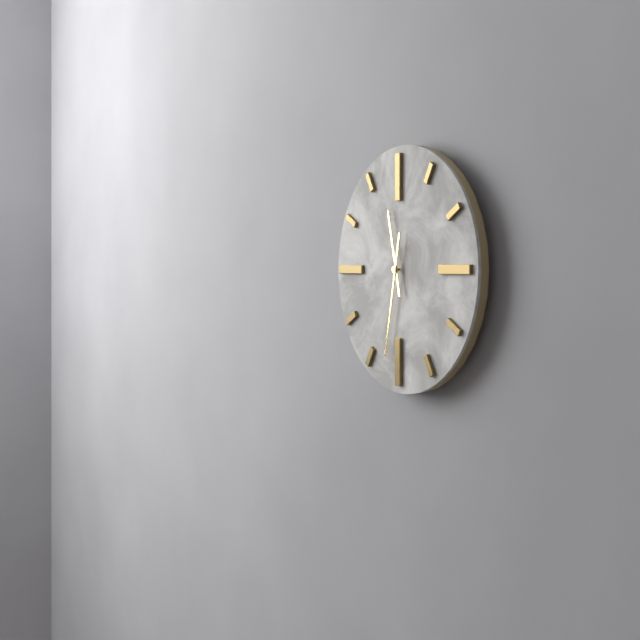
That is 11,32
